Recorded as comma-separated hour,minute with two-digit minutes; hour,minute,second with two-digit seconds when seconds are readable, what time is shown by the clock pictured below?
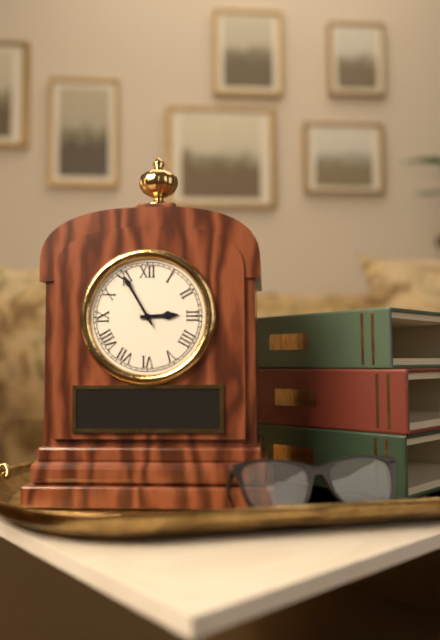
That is 2,55
